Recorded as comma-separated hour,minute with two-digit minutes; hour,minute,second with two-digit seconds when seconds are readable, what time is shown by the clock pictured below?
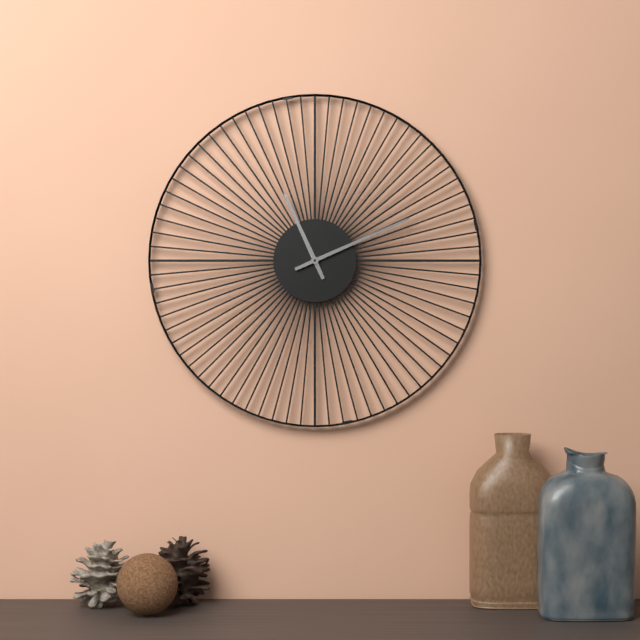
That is 11,11
